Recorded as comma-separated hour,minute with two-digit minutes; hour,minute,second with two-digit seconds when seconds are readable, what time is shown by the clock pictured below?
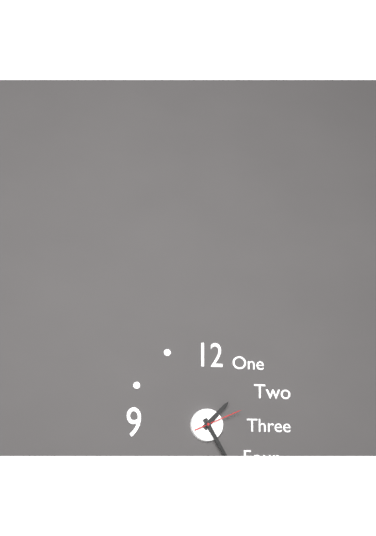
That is 1,25
